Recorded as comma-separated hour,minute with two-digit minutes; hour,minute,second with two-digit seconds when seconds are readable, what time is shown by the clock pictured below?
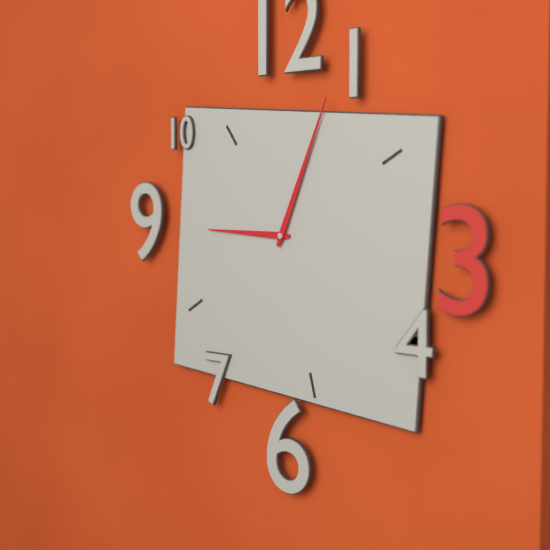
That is 9,04
